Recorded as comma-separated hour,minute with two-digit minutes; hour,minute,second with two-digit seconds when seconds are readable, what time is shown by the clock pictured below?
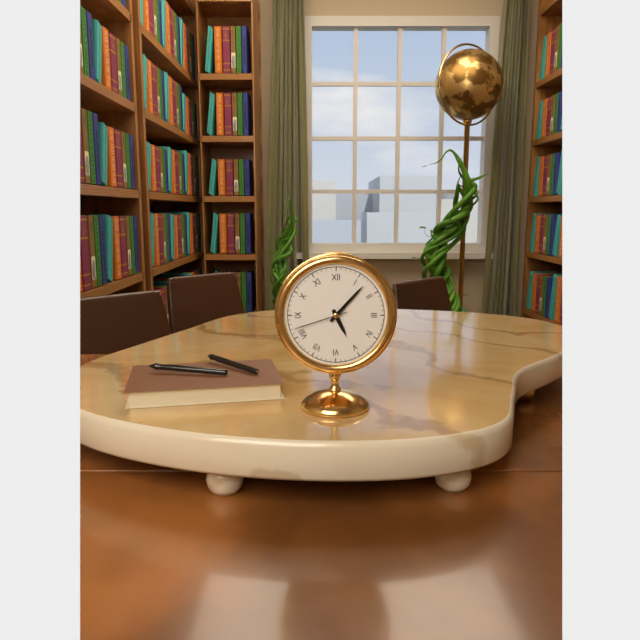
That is 5,07,42
